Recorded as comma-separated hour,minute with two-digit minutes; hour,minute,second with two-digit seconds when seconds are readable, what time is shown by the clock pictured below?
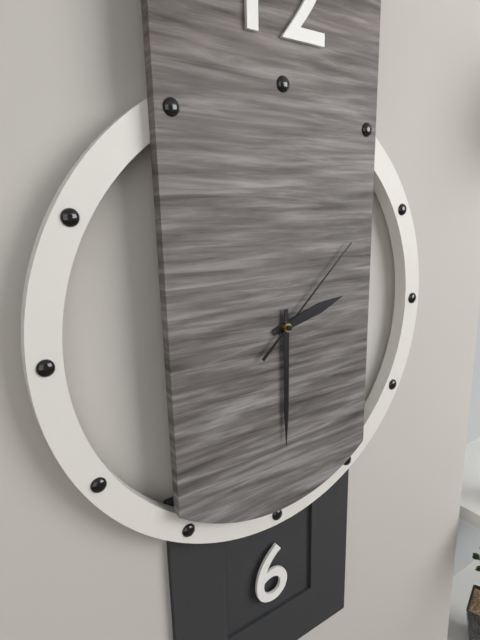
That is 2,30,08
